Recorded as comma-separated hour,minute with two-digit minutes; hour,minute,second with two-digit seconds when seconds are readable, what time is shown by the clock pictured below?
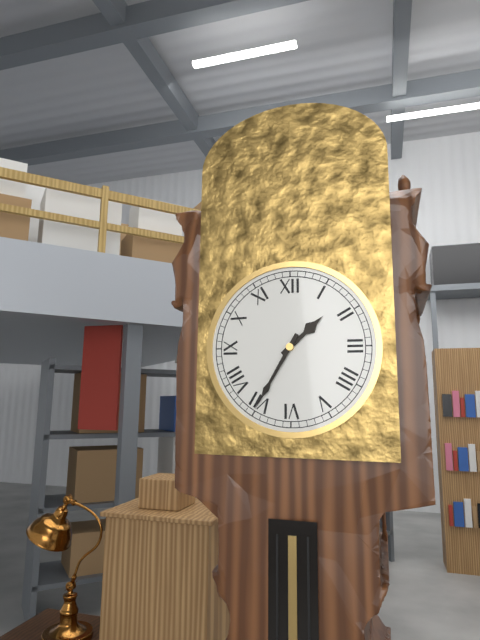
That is 1,35
